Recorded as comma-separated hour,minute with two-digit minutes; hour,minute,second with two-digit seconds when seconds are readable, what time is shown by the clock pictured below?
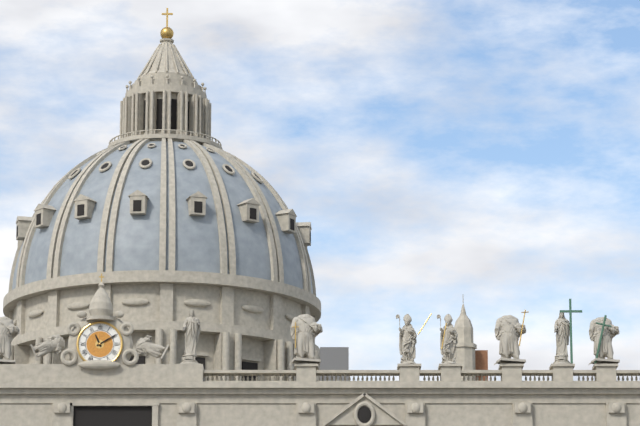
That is 11,10
